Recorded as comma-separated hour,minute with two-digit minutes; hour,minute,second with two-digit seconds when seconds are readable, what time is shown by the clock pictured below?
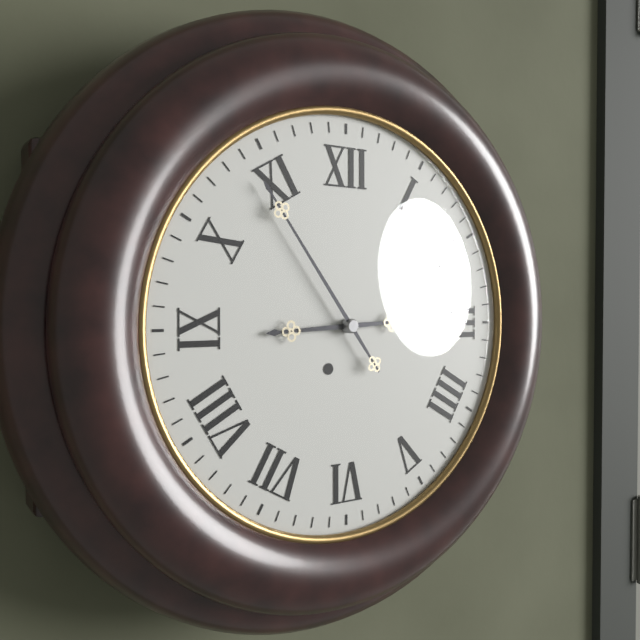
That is 8,54
